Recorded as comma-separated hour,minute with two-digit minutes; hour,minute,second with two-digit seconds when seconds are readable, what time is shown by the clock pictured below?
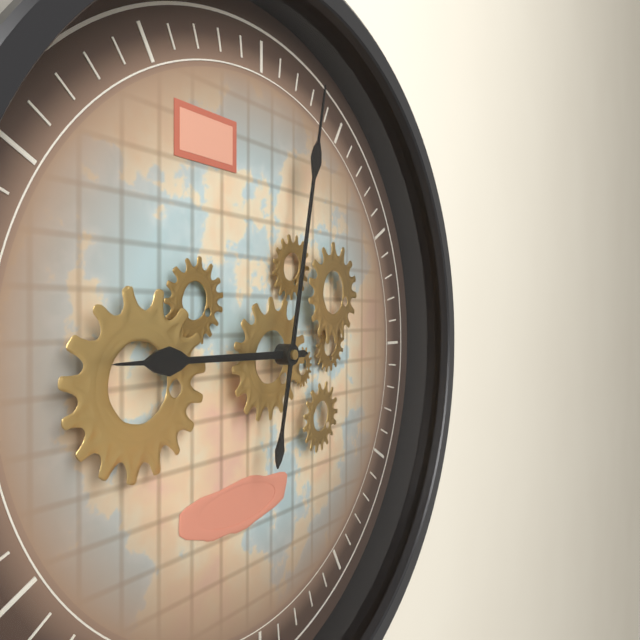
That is 9,02
